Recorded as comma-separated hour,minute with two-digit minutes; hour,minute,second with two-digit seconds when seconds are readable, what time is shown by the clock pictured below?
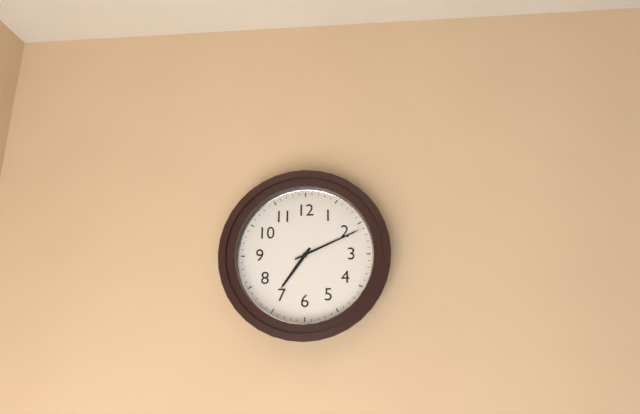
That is 7,11
